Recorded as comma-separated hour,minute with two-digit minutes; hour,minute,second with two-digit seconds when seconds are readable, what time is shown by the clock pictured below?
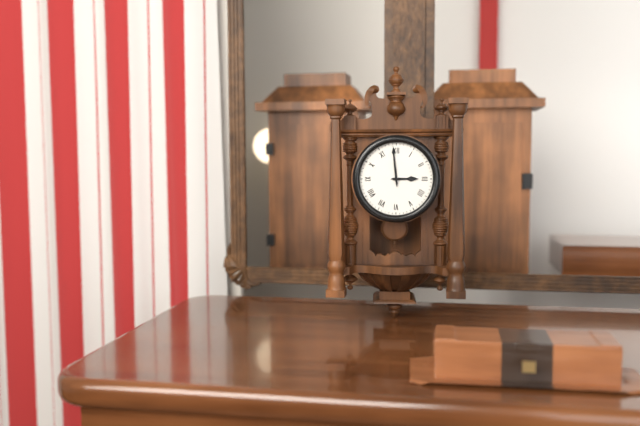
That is 2,59
